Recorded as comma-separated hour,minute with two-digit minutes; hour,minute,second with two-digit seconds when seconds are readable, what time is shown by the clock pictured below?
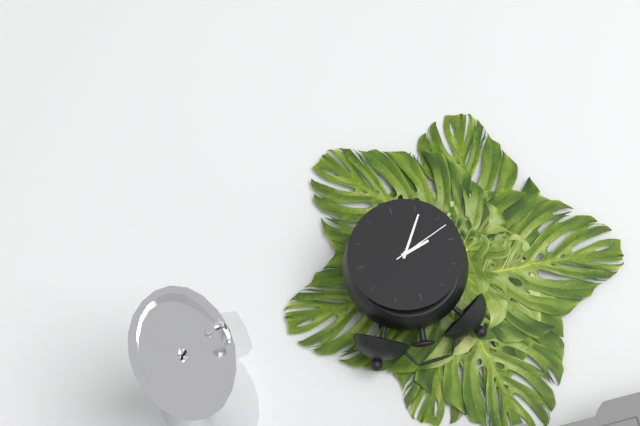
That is 8,36,42
